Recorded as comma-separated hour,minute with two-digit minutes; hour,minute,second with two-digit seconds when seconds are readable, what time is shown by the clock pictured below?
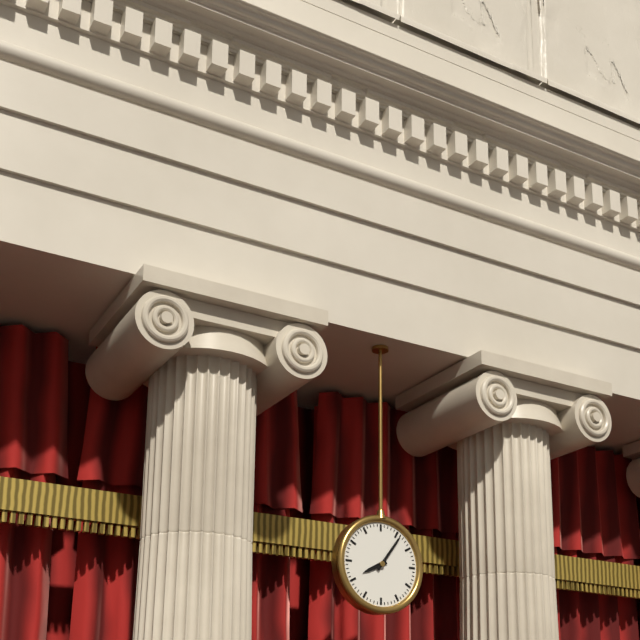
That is 8,06
